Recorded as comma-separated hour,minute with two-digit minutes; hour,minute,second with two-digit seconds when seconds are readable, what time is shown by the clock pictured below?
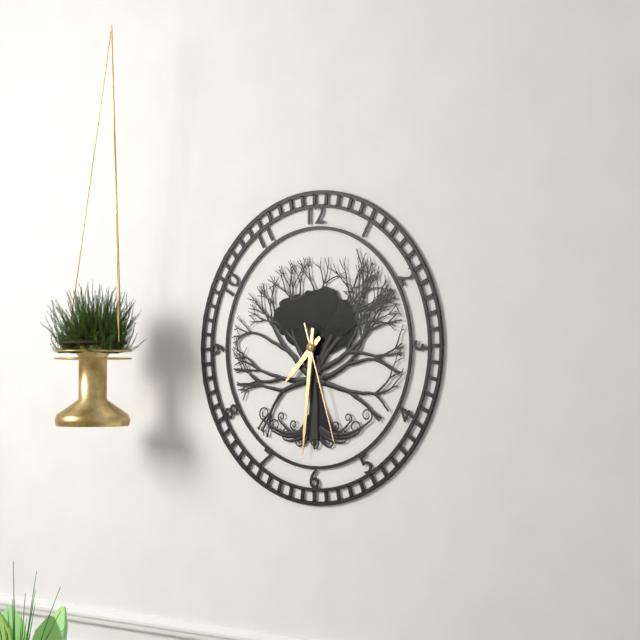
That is 7,31,27
